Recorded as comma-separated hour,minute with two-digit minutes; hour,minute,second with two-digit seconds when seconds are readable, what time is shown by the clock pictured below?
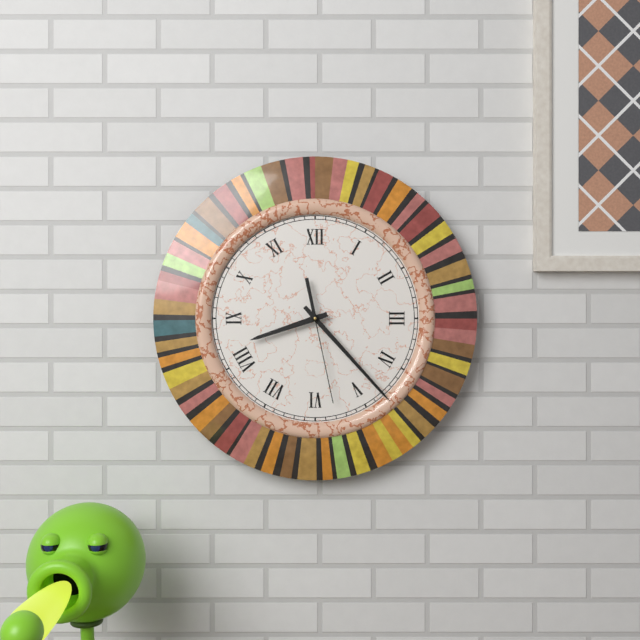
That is 8,23,28
